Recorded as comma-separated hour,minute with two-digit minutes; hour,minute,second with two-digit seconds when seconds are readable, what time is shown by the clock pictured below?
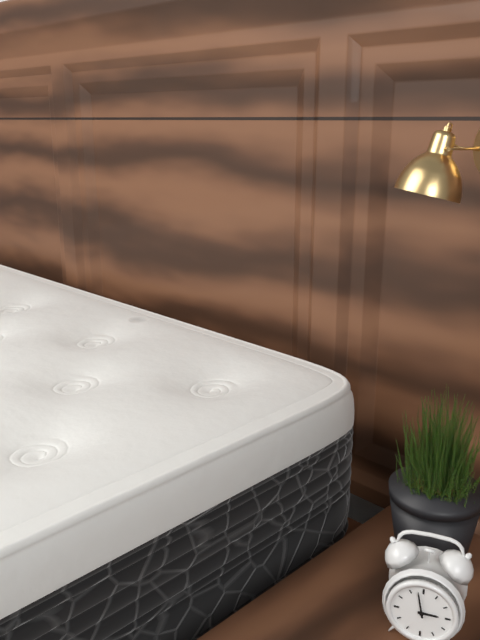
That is 2,58
